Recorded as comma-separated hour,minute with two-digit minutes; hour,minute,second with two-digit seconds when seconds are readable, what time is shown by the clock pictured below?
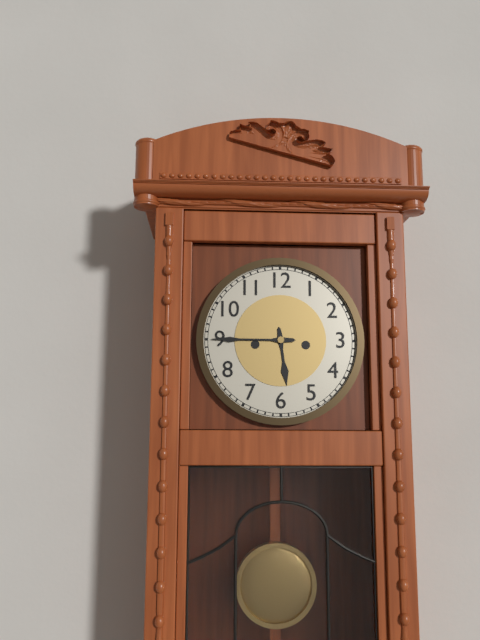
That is 5,45
